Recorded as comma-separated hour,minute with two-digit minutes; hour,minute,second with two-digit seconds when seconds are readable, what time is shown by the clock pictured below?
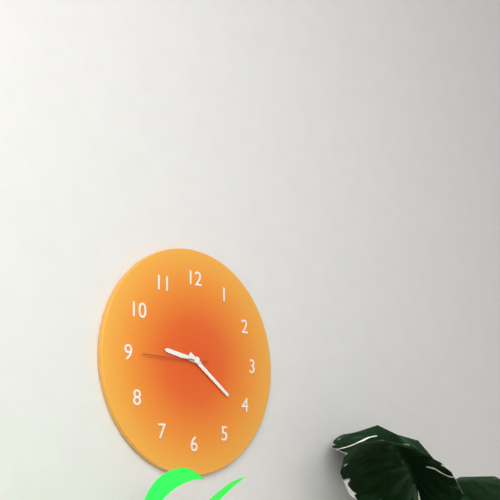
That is 9,21,45
